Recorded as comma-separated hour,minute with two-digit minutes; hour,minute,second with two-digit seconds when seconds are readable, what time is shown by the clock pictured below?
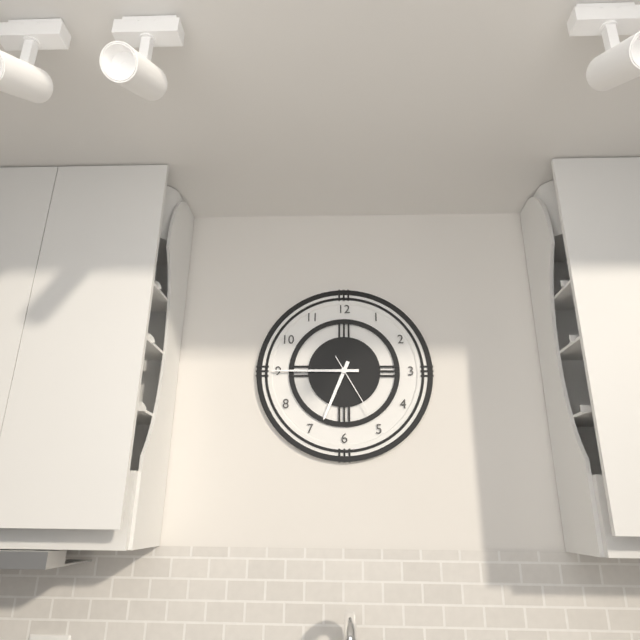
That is 6,45,25
